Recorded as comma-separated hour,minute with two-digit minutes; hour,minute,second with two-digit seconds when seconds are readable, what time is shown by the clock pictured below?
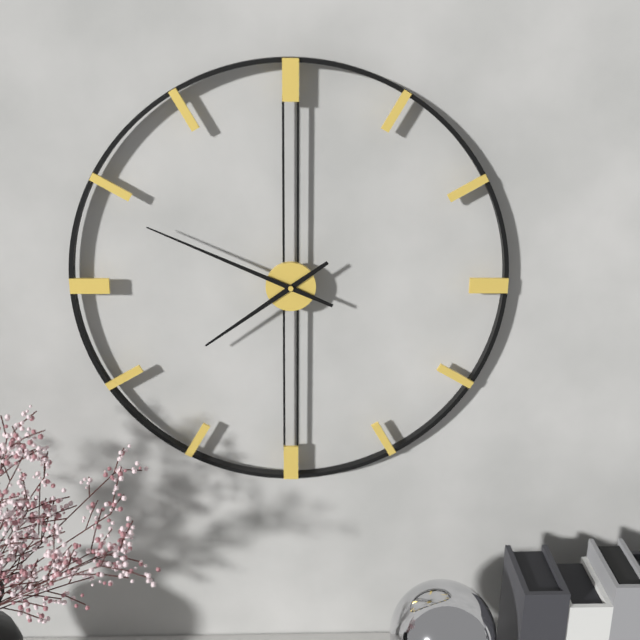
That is 7,49
